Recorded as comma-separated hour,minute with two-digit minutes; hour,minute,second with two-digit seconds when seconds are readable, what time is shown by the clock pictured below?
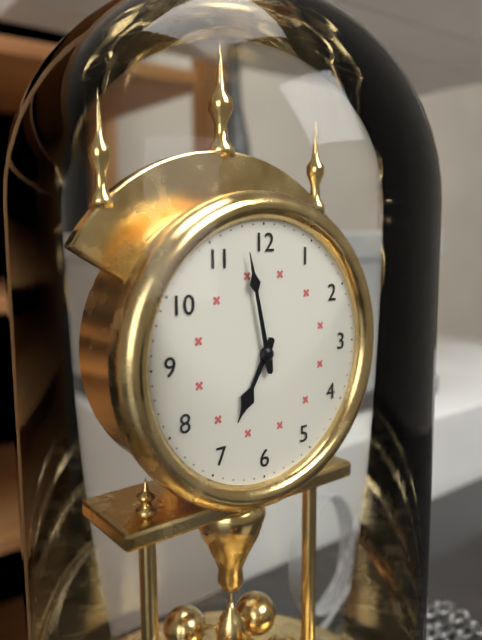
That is 6,58
